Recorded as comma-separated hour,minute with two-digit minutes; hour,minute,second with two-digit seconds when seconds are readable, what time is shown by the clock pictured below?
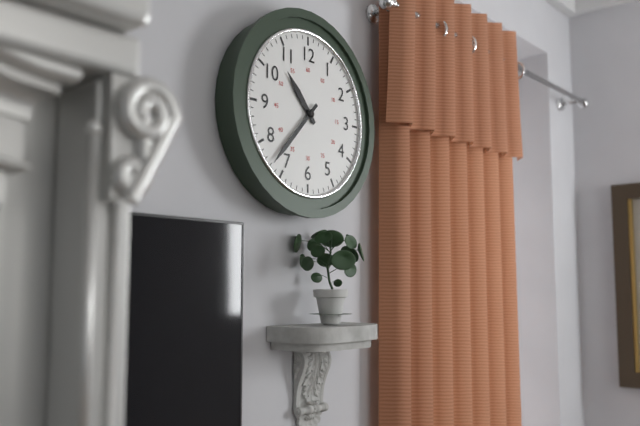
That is 10,37
